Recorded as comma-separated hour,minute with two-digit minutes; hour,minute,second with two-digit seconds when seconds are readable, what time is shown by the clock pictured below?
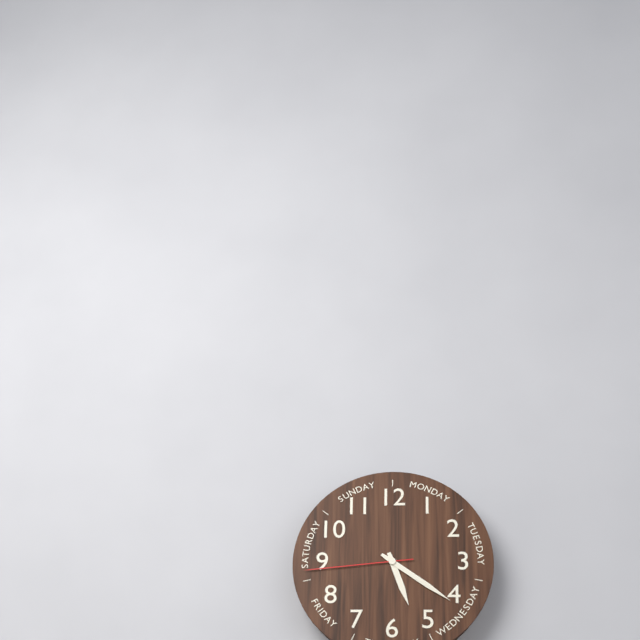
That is 5,21,44
